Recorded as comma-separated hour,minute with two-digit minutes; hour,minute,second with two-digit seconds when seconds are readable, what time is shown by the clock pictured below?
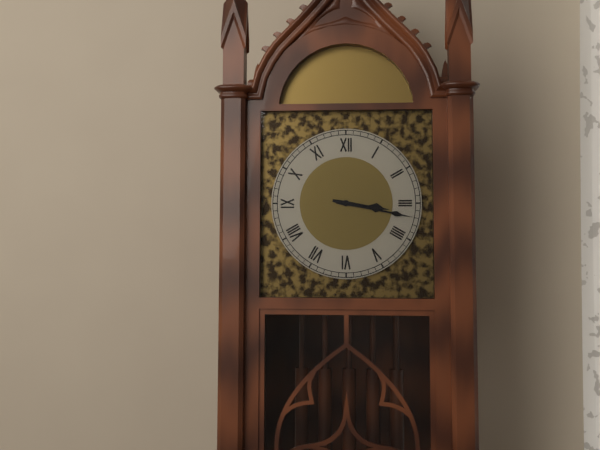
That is 3,17
